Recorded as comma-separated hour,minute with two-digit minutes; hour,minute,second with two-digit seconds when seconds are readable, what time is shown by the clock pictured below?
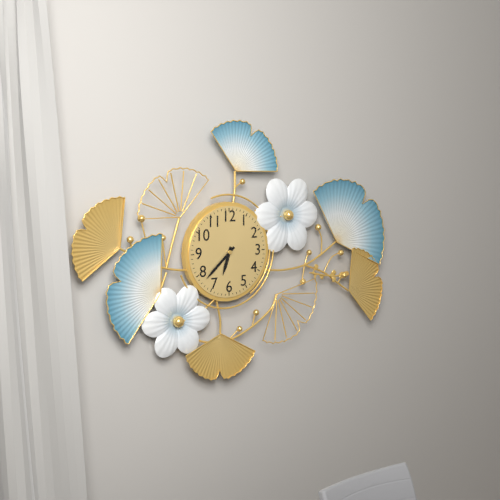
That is 6,38
